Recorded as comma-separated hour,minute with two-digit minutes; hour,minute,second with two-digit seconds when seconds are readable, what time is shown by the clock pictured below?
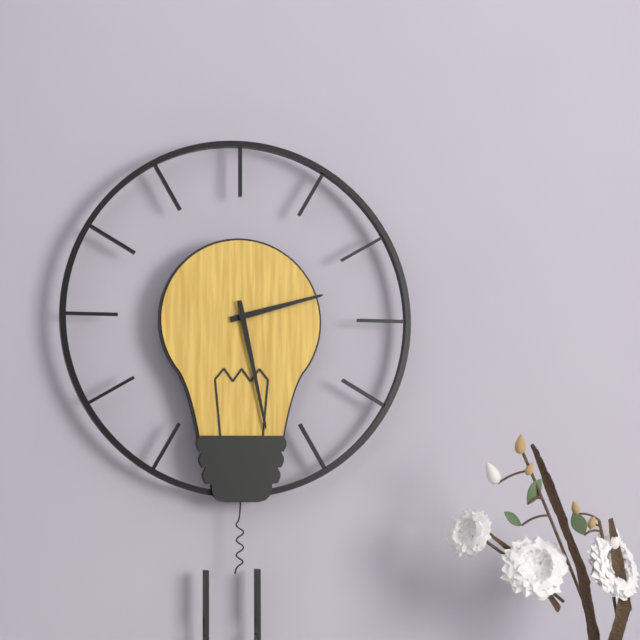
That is 2,28
